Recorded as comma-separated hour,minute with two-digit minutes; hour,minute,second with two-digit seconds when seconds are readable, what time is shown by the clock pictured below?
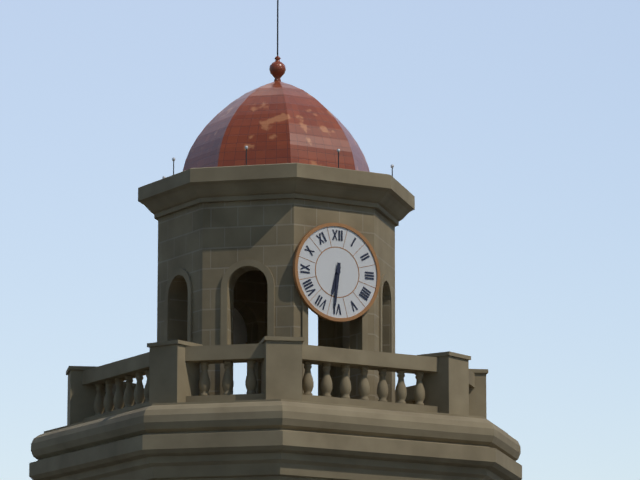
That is 6,31
